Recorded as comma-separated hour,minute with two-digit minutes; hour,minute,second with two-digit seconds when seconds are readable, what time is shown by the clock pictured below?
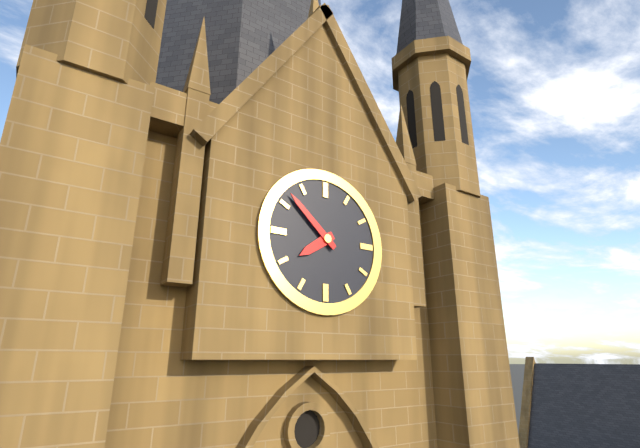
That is 7,52
